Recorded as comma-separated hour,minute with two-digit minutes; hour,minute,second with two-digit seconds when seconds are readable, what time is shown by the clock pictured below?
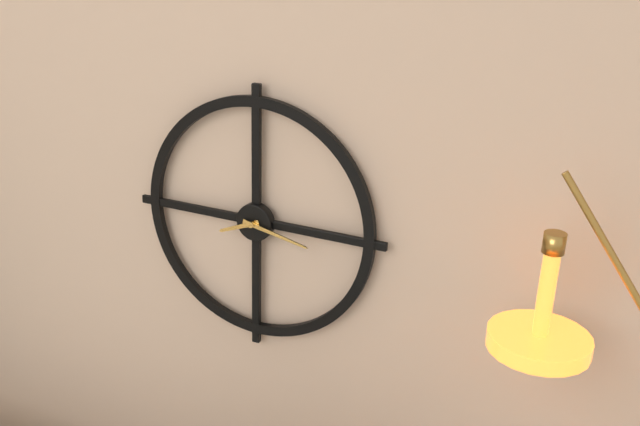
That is 8,17
